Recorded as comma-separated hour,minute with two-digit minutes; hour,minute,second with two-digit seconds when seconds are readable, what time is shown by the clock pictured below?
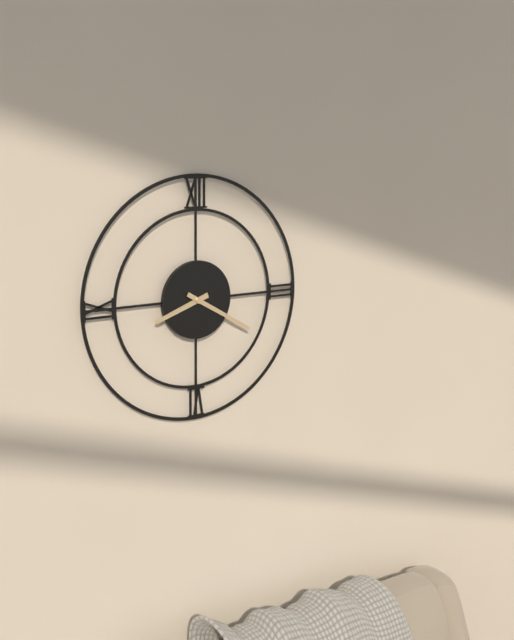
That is 8,20
